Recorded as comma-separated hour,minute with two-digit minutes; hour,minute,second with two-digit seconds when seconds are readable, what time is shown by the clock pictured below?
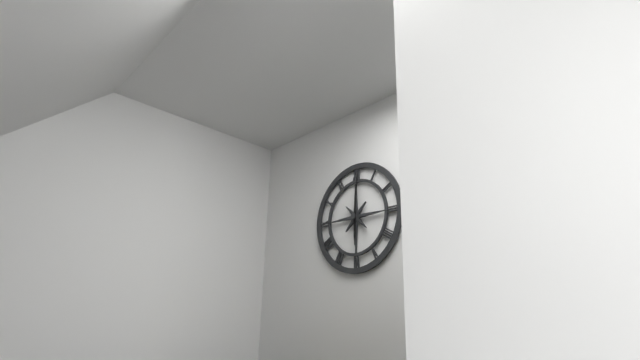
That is 6,01
